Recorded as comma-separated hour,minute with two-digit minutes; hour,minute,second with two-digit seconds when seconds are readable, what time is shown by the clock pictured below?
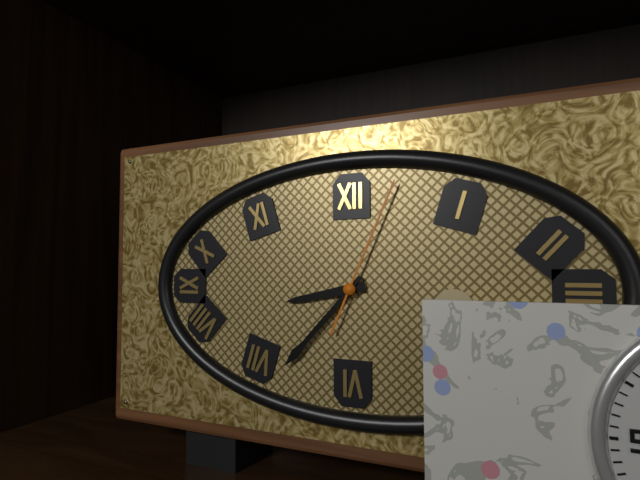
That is 8,37,04
